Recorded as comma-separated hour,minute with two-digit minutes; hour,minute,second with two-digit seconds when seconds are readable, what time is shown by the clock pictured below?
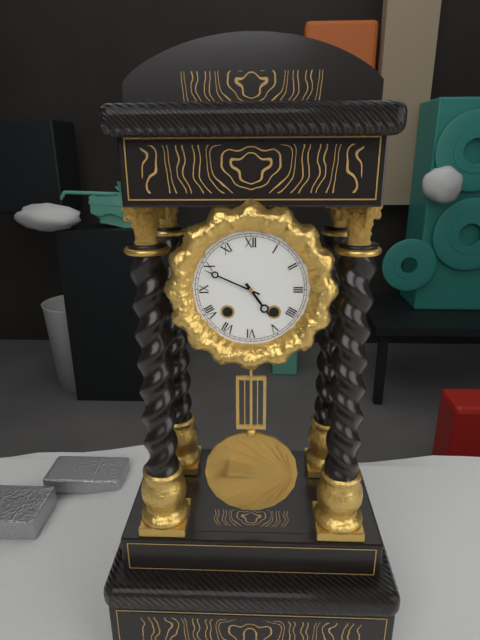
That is 4,49
